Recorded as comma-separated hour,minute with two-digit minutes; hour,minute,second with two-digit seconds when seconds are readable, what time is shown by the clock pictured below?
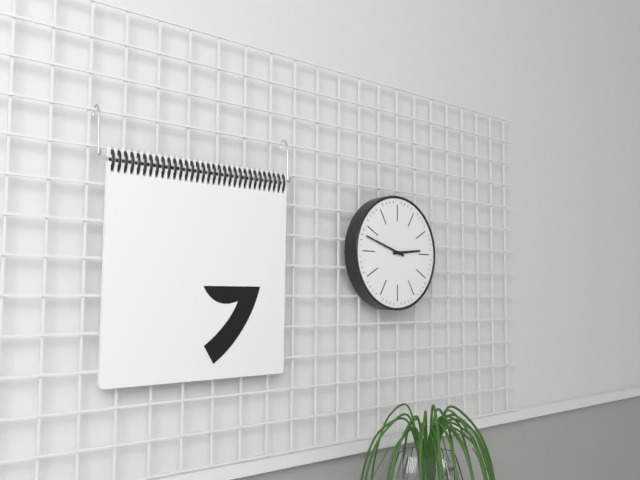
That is 2,48
